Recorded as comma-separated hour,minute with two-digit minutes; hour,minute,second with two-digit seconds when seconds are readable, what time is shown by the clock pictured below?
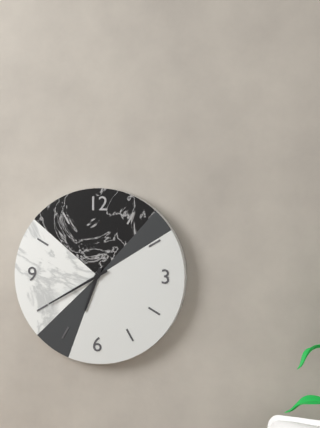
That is 6,40
